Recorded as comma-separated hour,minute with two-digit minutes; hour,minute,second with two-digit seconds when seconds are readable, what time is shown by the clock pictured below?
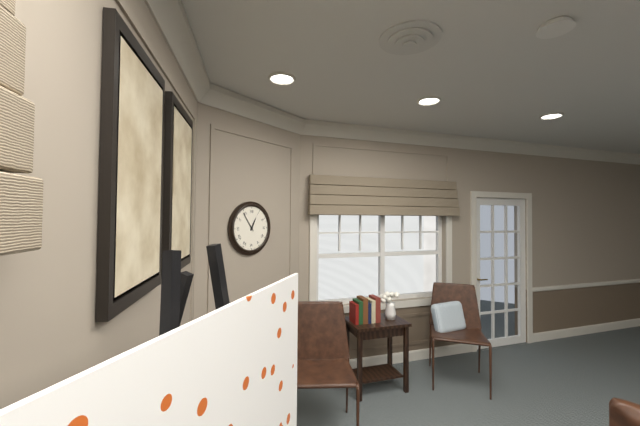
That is 12,54
